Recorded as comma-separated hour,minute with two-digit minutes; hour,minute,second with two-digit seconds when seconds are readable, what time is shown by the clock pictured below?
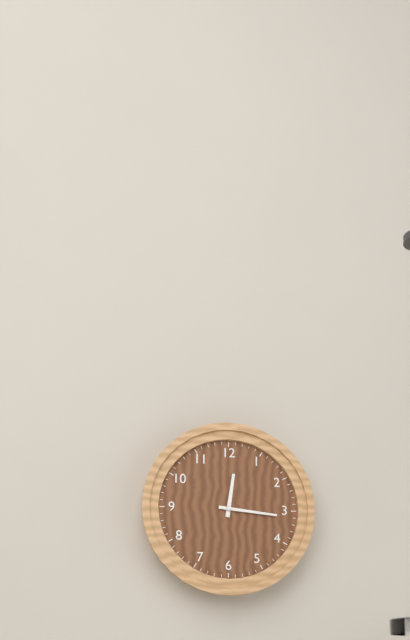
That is 12,16
